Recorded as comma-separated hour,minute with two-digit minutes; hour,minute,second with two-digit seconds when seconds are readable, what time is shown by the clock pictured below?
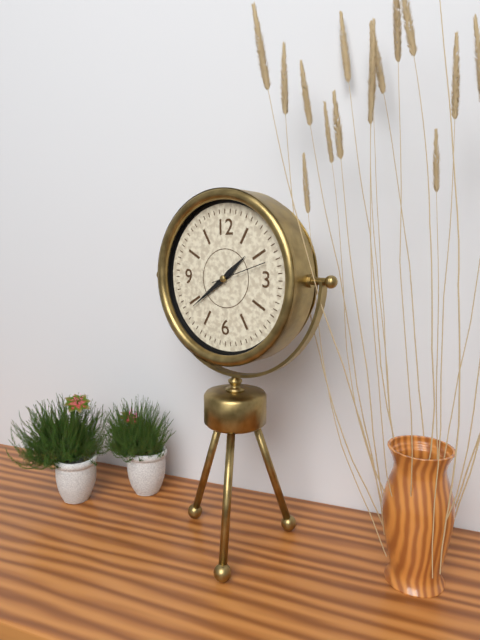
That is 1,39,12
